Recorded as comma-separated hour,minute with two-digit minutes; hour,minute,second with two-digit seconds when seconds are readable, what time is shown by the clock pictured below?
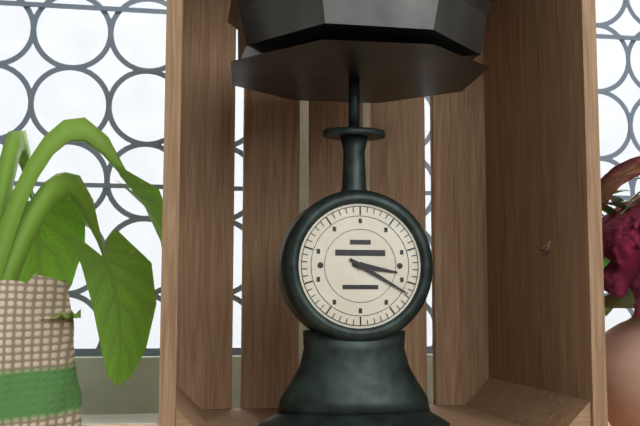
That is 3,20
